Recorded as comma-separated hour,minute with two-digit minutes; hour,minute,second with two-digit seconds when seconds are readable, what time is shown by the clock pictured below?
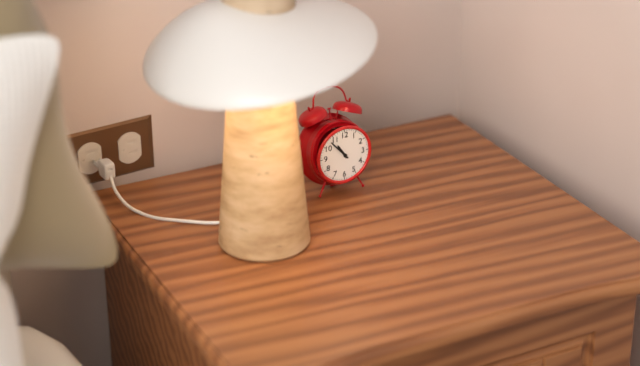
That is 10,53
